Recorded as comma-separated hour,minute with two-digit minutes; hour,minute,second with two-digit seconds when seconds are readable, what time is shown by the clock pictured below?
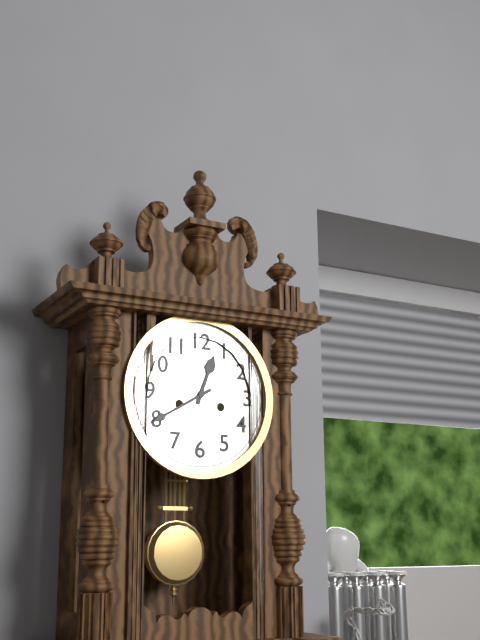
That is 12,40
